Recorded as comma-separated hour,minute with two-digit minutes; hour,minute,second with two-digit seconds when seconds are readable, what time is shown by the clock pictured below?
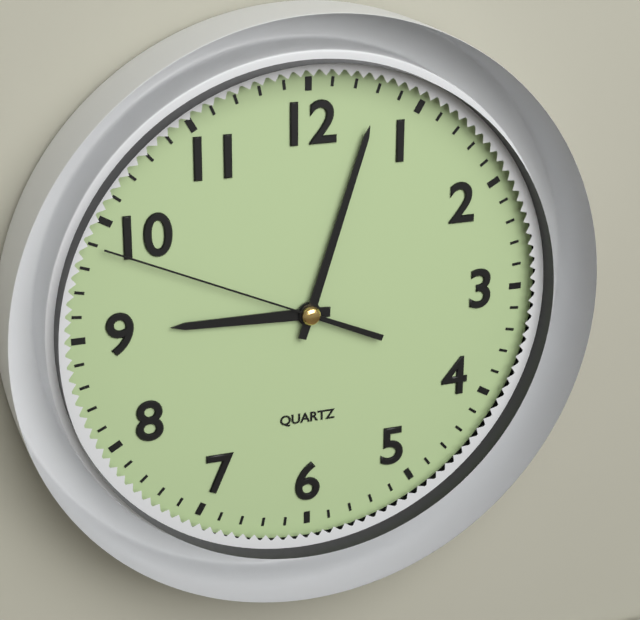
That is 9,03,49
